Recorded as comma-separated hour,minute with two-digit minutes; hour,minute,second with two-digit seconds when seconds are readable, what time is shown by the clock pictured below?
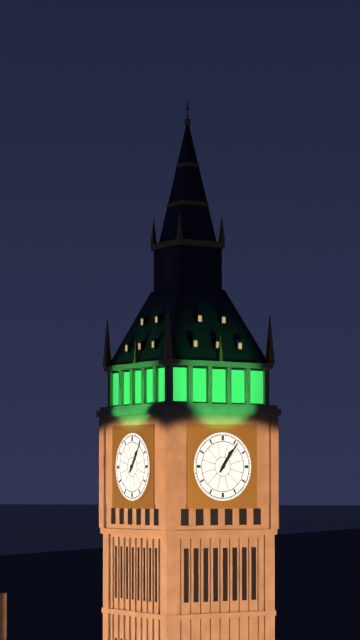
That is 1,06
